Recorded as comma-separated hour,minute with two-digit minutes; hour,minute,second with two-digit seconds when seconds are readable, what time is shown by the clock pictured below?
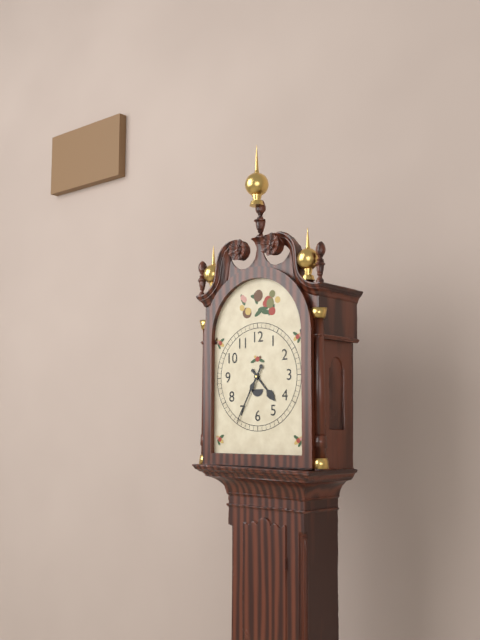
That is 4,35
